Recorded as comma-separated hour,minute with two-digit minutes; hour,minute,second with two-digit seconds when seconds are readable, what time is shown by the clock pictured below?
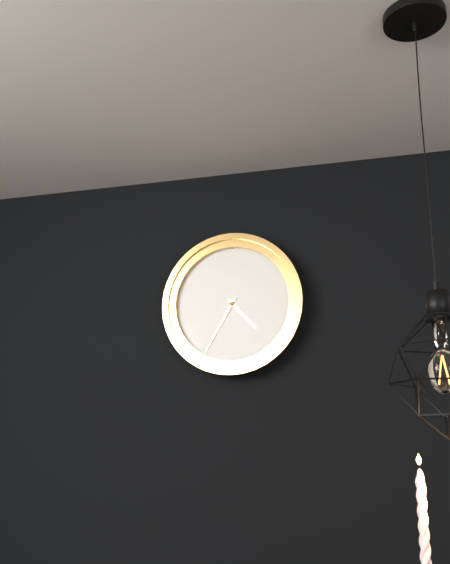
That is 4,35
